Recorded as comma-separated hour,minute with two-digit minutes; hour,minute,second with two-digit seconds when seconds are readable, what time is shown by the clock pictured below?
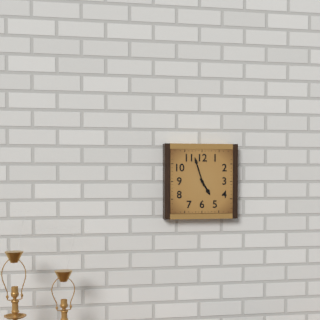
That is 4,57
